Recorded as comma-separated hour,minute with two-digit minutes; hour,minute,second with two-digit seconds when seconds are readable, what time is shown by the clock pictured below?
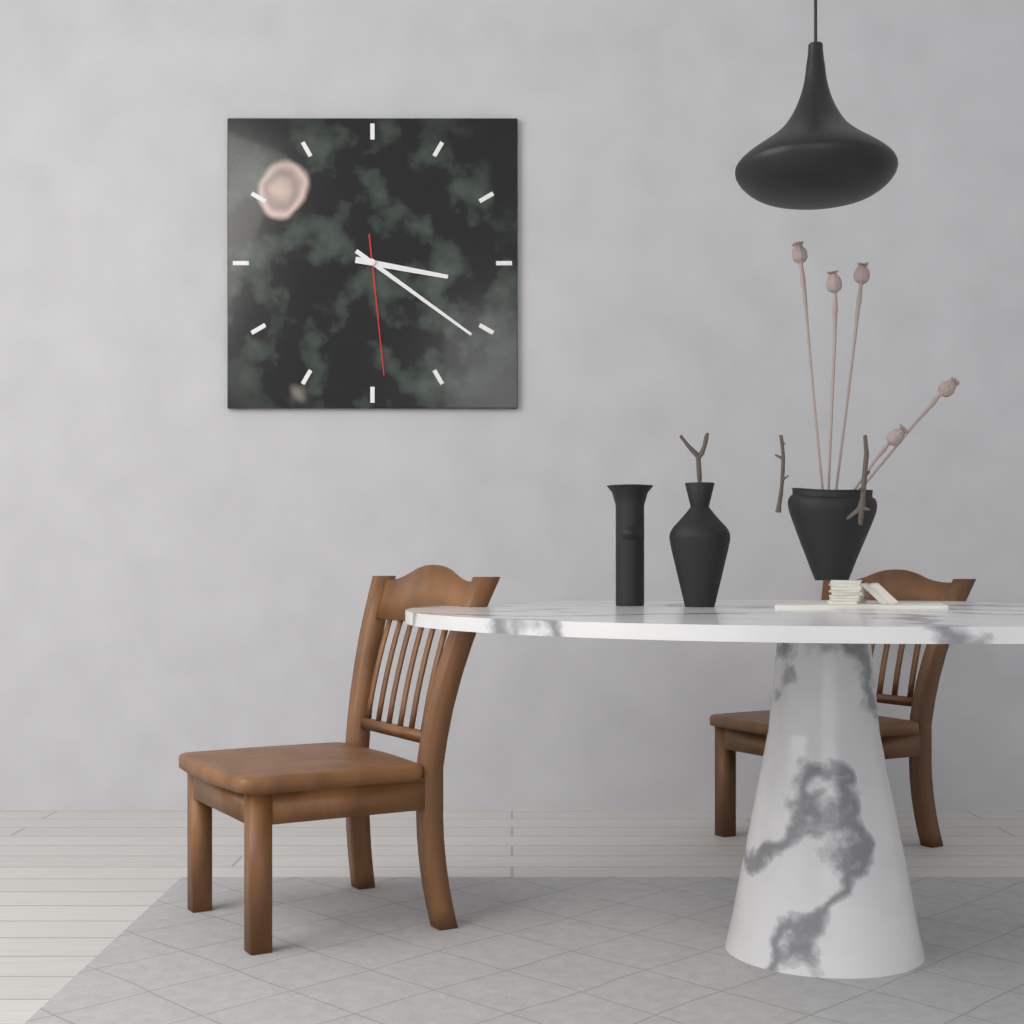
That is 3,21,29
